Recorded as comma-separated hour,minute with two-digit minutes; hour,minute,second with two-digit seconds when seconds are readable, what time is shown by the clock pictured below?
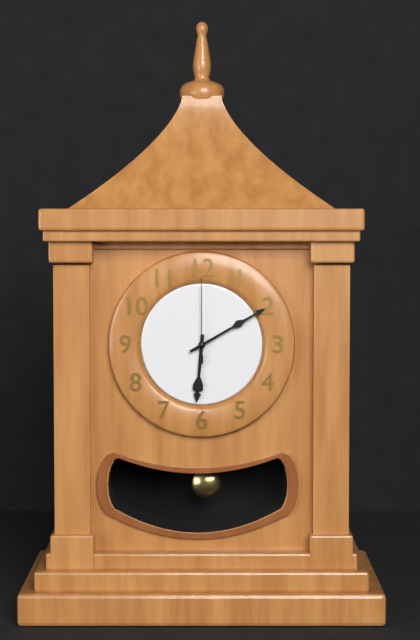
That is 6,10,00
